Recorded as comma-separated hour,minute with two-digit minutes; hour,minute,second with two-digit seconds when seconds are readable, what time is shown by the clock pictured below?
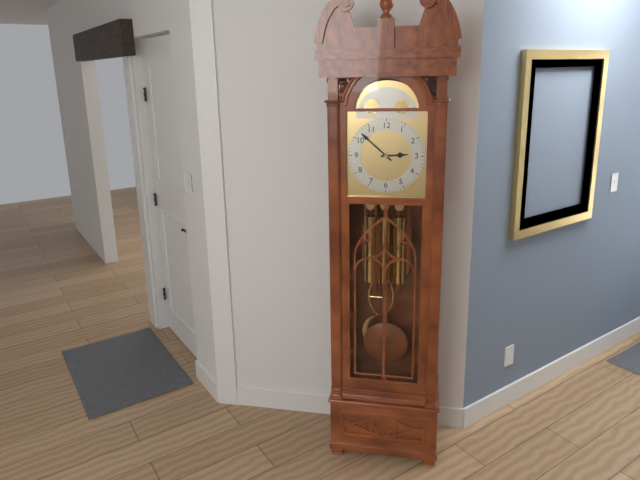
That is 2,52
